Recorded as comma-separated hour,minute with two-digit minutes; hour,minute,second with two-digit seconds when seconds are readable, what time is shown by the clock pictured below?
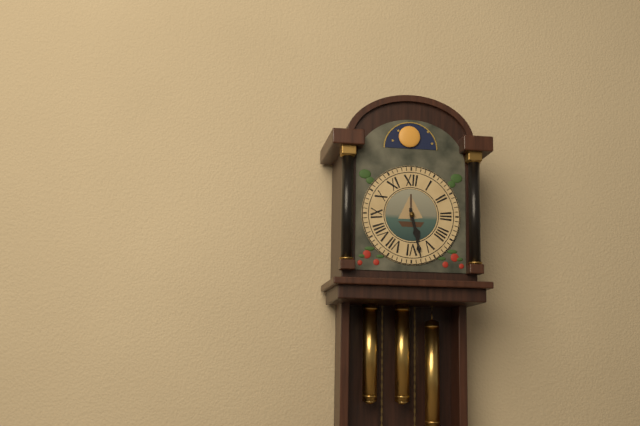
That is 5,28
